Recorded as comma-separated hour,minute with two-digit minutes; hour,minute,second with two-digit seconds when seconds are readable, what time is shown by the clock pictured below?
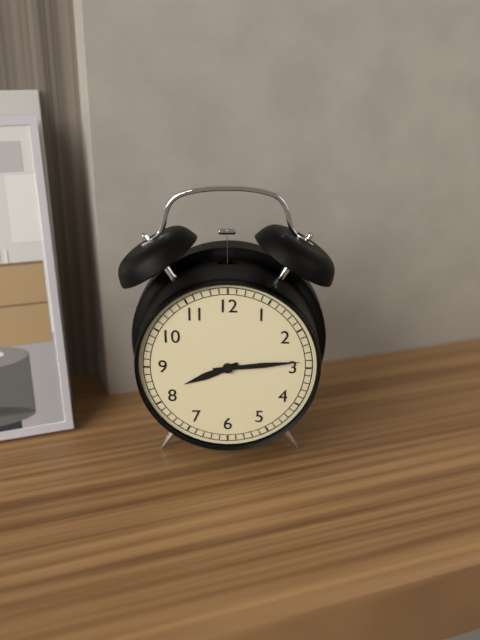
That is 8,14
